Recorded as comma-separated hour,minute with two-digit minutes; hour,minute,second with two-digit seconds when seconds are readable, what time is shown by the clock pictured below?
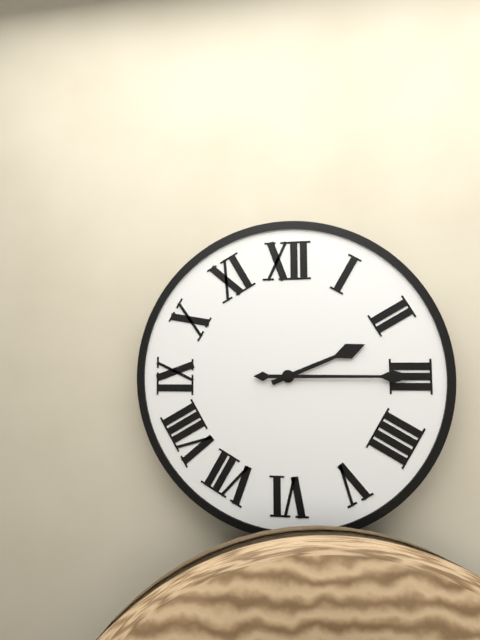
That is 2,15
